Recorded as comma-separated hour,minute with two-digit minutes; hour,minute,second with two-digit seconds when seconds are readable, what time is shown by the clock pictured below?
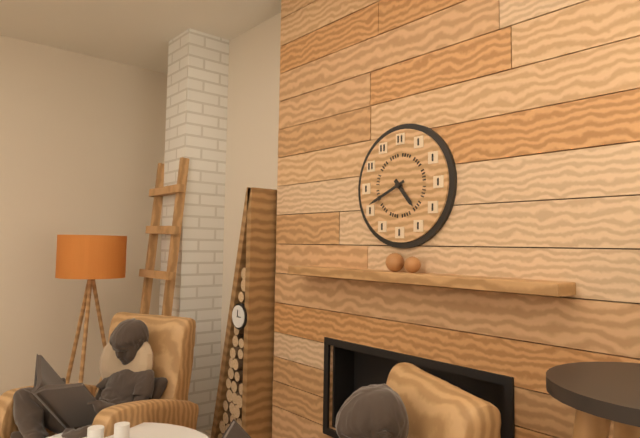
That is 4,41
